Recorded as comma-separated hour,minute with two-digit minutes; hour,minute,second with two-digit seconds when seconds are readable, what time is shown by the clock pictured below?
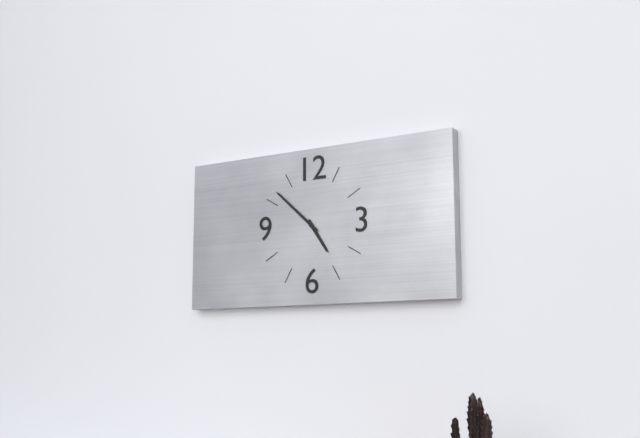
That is 4,52
